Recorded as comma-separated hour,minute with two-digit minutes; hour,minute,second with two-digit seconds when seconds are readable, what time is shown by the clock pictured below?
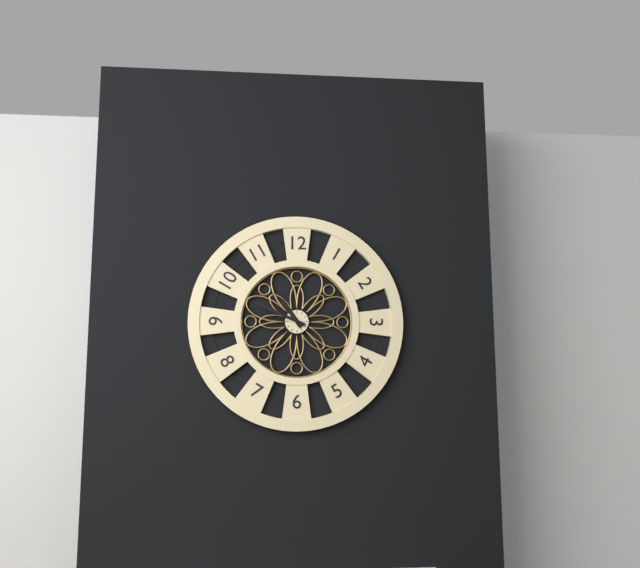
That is 10,49
